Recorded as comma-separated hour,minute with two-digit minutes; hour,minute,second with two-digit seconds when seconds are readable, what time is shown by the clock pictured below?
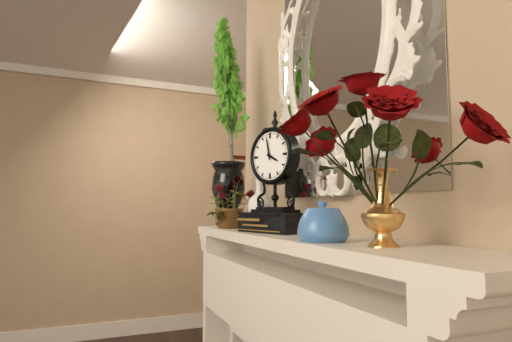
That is 3,58
